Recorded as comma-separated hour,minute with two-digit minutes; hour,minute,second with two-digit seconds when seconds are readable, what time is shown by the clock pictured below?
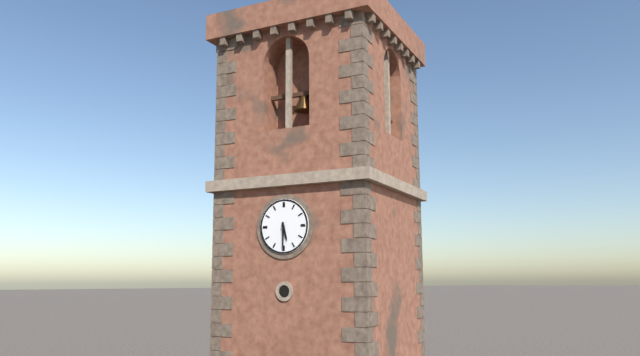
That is 5,30
